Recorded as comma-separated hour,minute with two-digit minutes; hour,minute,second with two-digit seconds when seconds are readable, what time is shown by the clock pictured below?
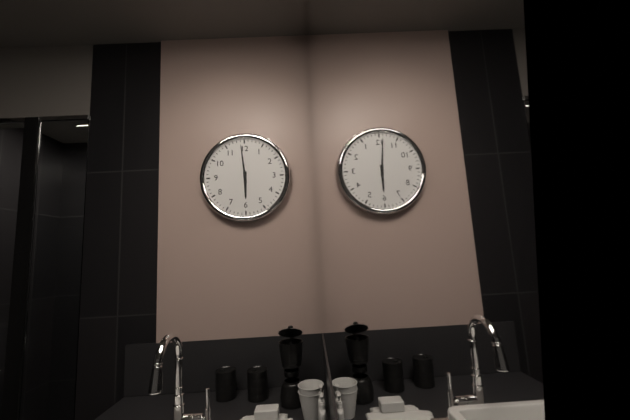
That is 5,59
